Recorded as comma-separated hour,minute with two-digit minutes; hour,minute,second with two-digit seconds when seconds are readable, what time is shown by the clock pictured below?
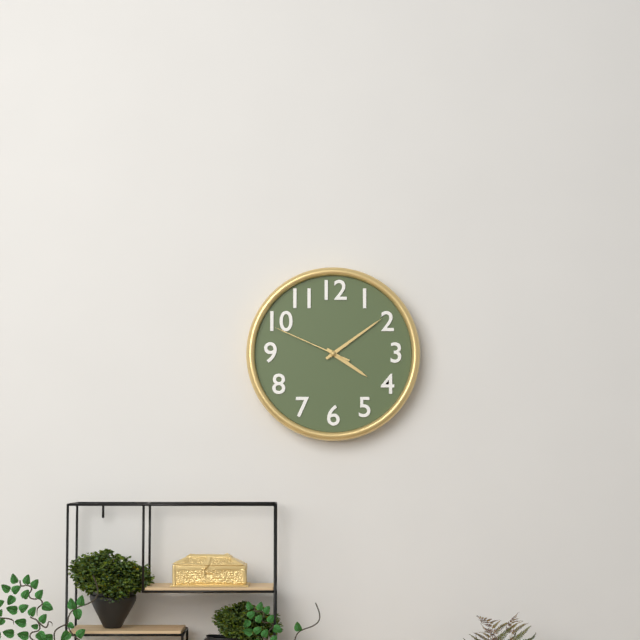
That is 4,09,49
